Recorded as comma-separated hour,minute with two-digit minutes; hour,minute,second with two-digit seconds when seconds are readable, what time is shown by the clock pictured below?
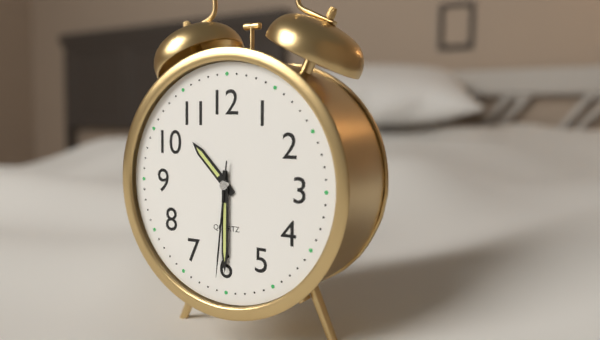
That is 10,30,31
